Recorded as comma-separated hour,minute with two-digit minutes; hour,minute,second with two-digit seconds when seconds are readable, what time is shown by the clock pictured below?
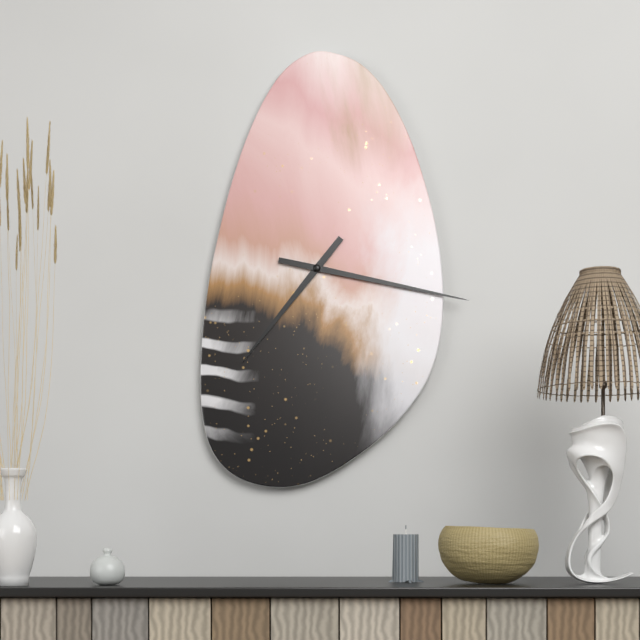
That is 7,17
